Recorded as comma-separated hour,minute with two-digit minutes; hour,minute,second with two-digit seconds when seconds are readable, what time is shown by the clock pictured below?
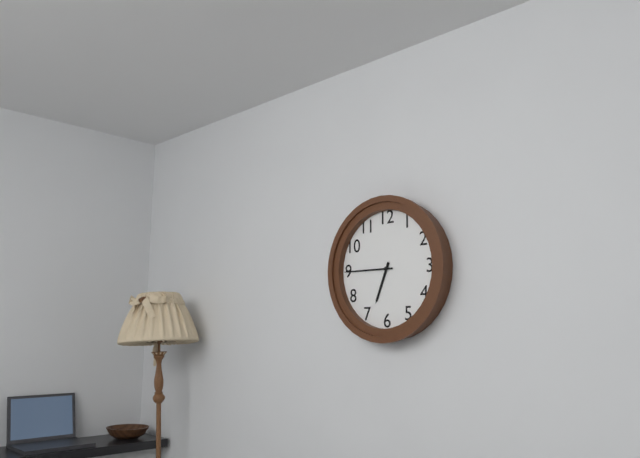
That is 6,45
